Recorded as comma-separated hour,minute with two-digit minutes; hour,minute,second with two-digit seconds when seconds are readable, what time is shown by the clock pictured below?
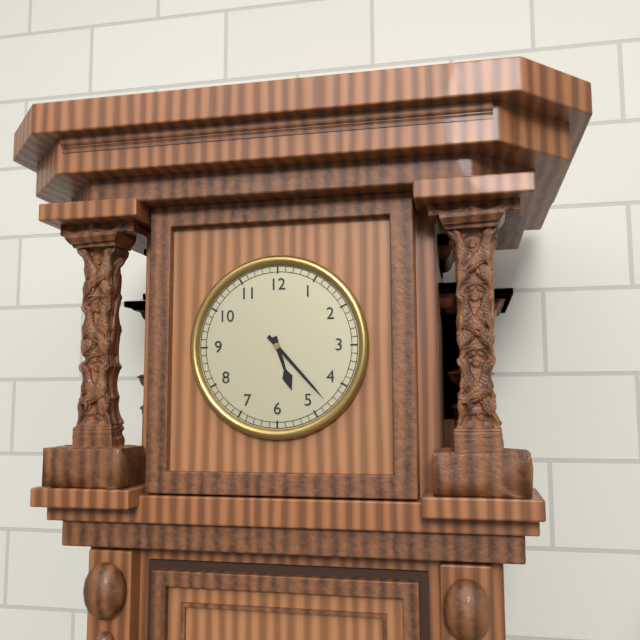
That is 5,23
